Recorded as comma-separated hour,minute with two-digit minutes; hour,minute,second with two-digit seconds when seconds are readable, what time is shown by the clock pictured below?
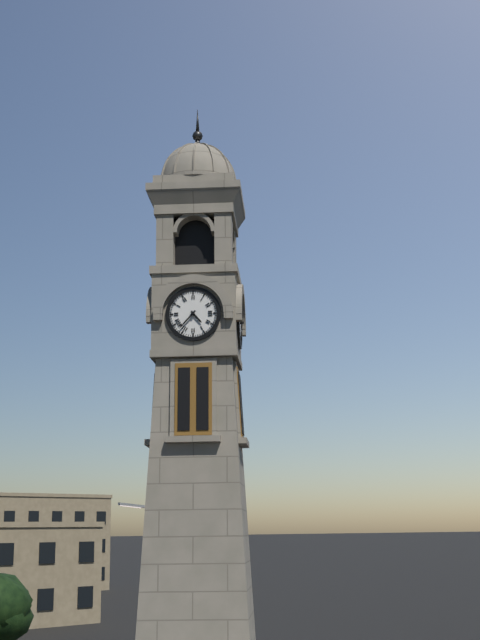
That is 4,37
